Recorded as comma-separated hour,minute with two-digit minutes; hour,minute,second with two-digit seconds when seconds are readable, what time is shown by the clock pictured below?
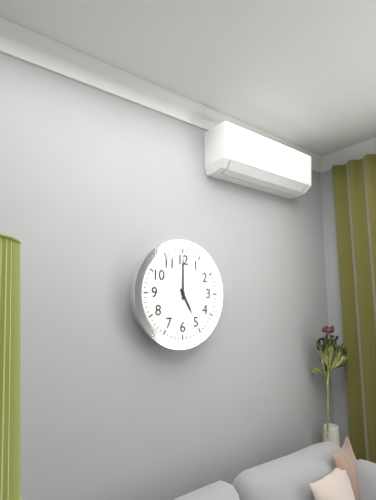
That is 5,00
